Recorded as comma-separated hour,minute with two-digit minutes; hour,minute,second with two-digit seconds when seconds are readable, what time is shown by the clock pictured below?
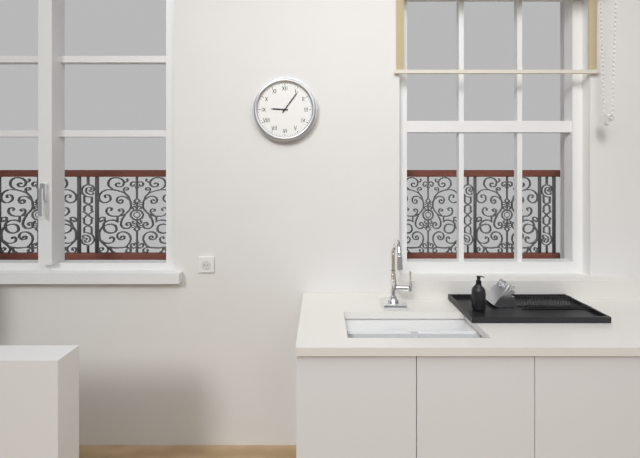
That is 9,06
